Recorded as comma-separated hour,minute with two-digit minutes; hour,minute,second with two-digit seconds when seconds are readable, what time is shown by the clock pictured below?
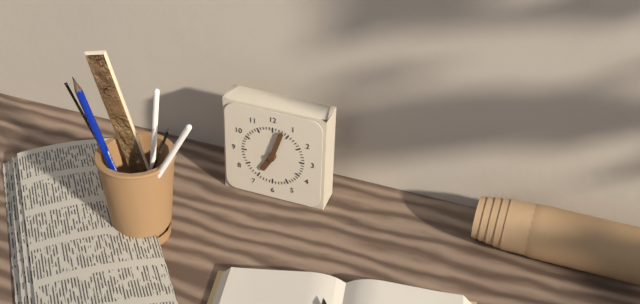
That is 7,03
